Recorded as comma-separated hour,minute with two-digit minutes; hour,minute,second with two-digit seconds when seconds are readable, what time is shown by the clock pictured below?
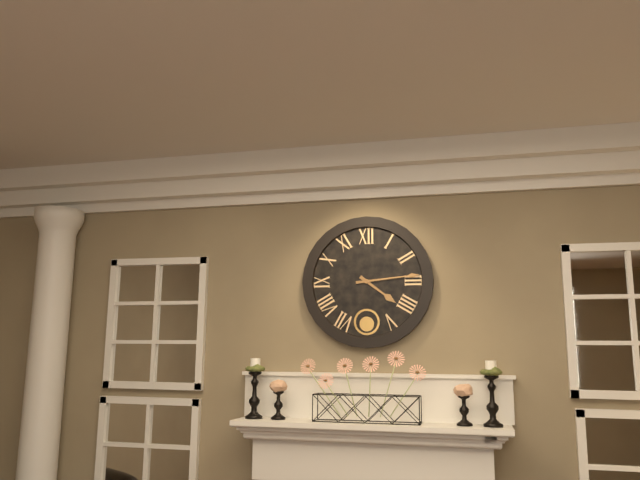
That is 4,14
